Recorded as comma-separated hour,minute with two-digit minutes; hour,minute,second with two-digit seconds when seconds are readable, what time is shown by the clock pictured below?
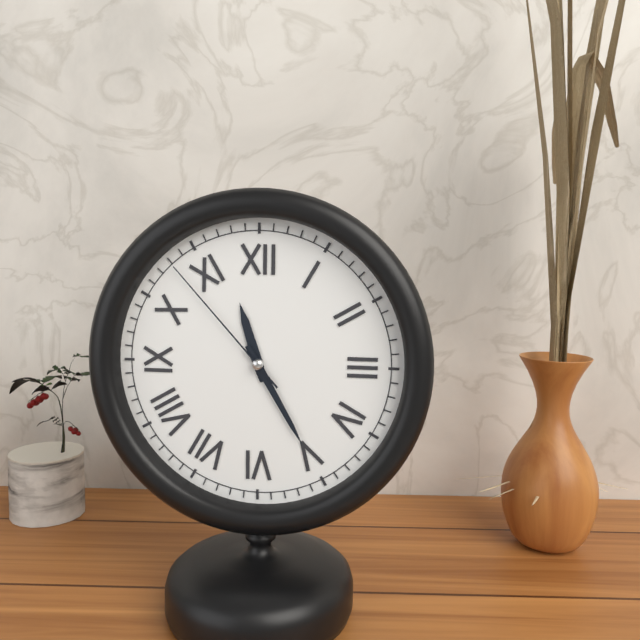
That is 11,25,53
